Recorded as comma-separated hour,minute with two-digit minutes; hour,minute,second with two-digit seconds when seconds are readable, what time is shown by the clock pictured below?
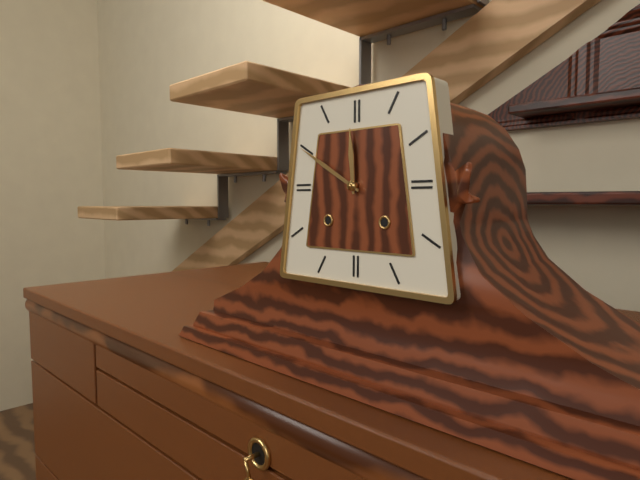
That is 11,50
